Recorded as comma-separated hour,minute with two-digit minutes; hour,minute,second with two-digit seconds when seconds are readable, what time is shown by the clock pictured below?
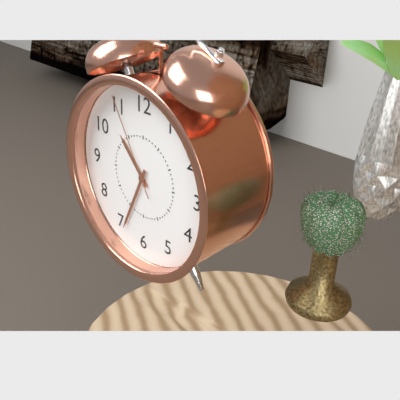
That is 10,34,55
